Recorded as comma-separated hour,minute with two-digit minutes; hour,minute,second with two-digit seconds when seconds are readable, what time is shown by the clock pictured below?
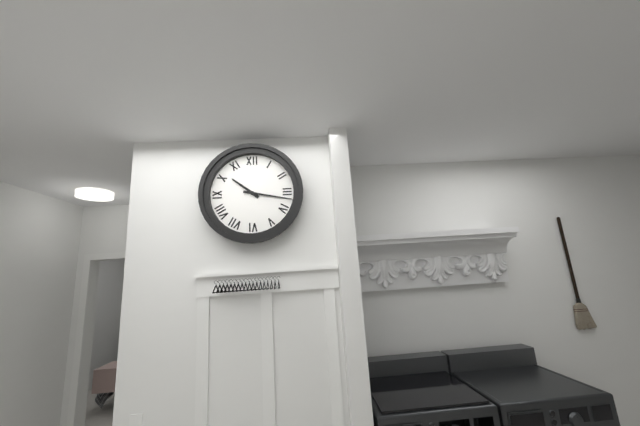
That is 10,17
